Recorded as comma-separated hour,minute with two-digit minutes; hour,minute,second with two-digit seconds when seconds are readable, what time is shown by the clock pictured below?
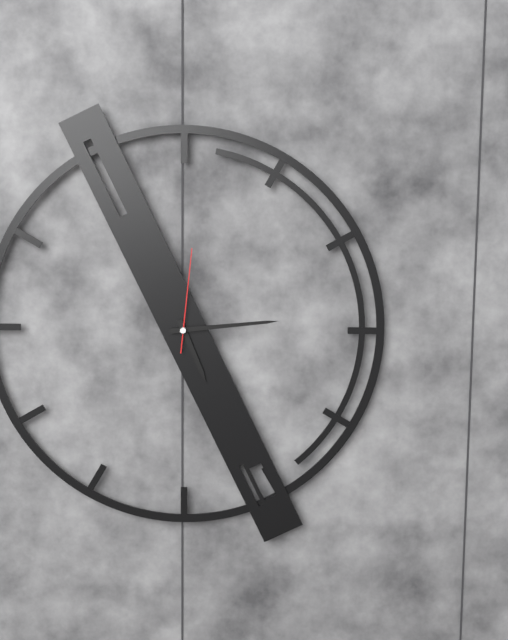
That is 5,14,01
